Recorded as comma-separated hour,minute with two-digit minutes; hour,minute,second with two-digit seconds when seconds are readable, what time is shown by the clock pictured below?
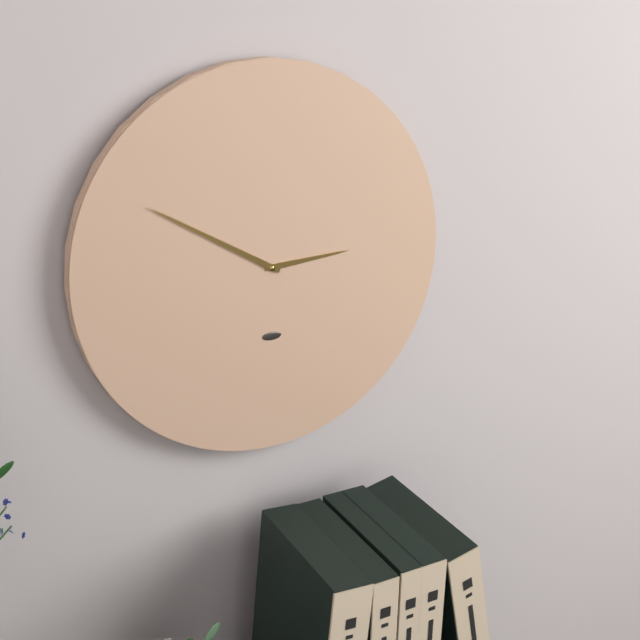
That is 2,50
